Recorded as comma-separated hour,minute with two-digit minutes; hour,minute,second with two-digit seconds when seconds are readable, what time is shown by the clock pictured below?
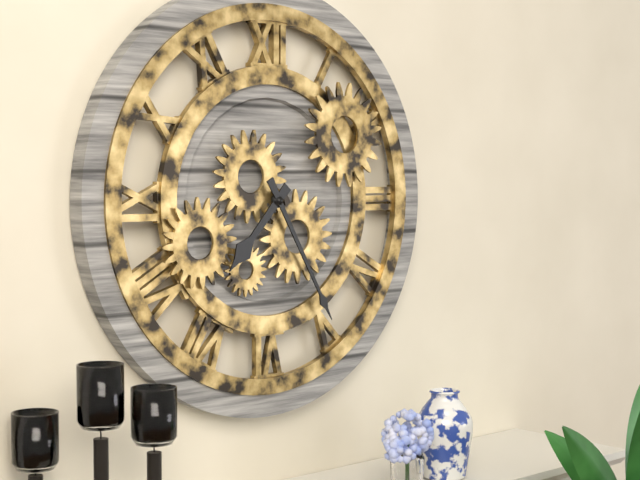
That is 7,25
